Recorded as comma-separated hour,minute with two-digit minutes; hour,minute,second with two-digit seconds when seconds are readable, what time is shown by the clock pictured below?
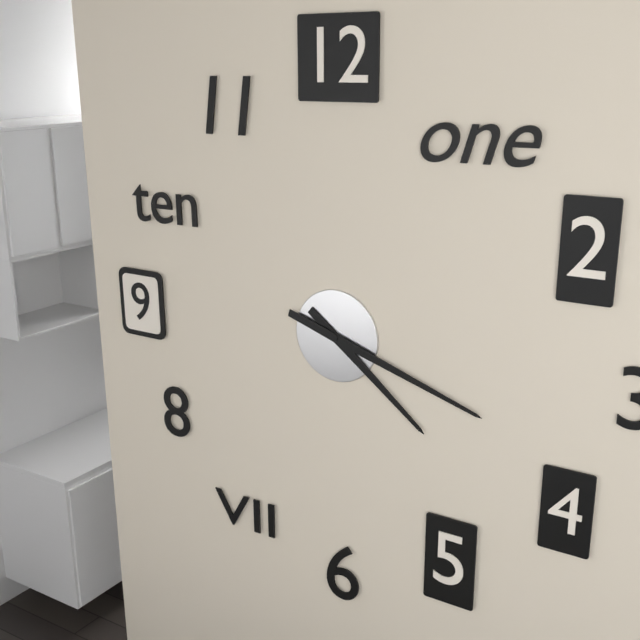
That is 4,18
